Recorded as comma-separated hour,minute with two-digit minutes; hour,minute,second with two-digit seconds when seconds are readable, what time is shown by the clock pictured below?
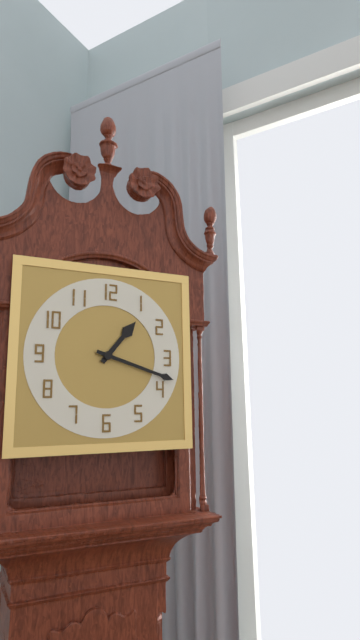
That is 1,18
